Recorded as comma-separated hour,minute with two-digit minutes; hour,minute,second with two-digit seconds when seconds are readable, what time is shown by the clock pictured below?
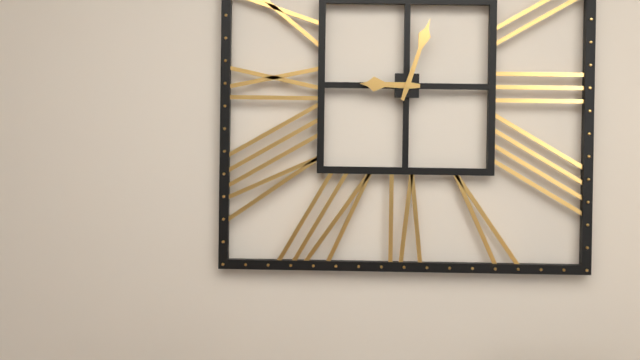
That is 9,03
